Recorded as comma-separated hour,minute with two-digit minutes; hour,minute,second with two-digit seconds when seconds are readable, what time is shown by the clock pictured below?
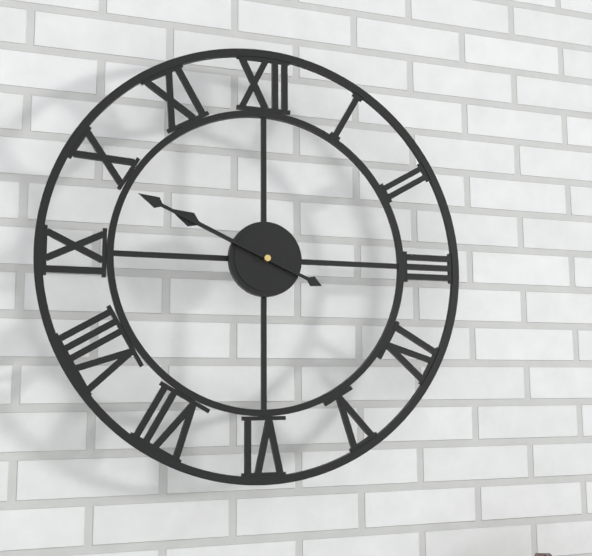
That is 9,49
